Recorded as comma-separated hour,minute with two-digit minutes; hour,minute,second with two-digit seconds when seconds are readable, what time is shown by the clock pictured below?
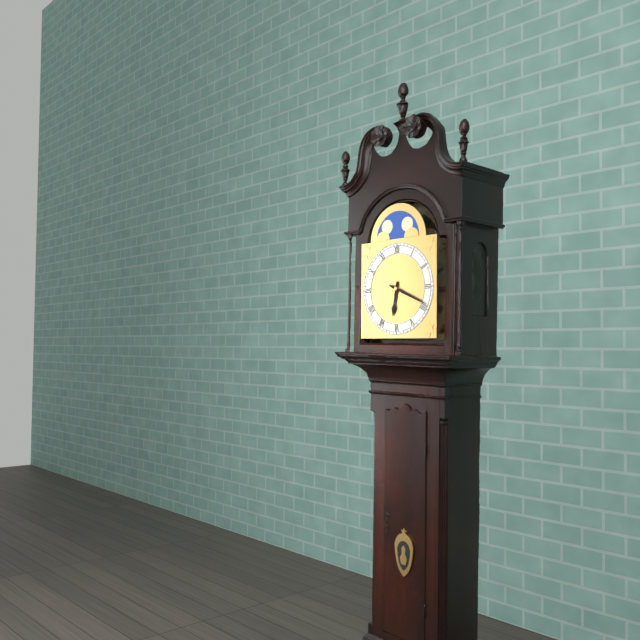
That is 6,19
